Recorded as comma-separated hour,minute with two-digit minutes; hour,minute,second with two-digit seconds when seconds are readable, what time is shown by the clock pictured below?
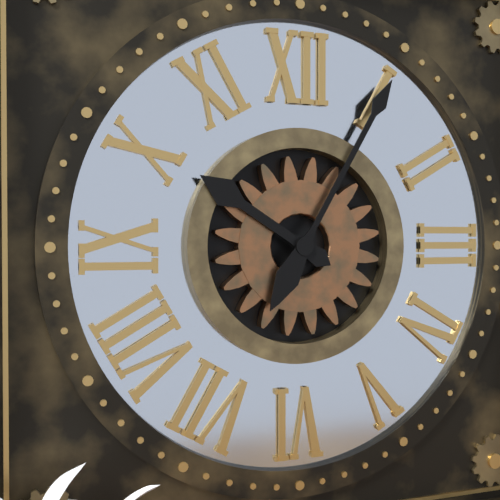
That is 10,05
